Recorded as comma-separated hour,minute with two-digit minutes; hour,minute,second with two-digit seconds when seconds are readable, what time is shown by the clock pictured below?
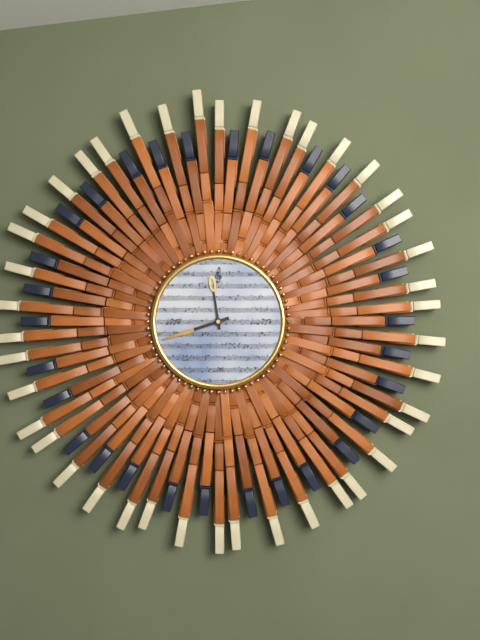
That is 11,42
